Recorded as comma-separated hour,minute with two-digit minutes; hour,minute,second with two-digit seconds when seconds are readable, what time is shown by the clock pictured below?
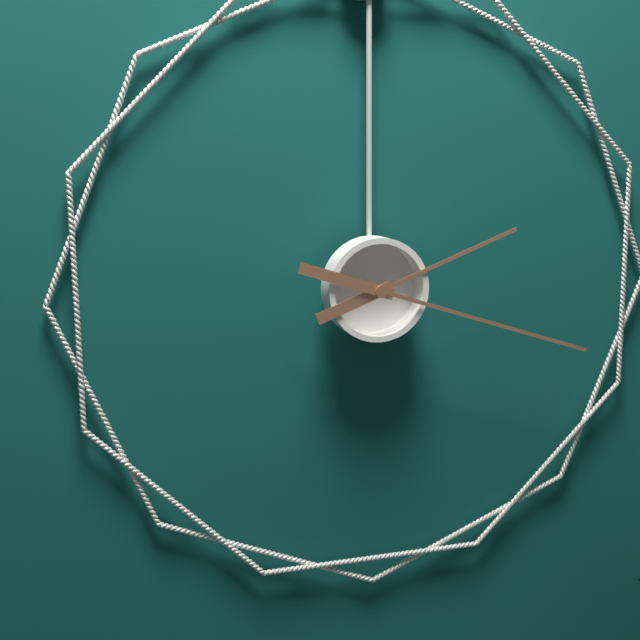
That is 2,18
